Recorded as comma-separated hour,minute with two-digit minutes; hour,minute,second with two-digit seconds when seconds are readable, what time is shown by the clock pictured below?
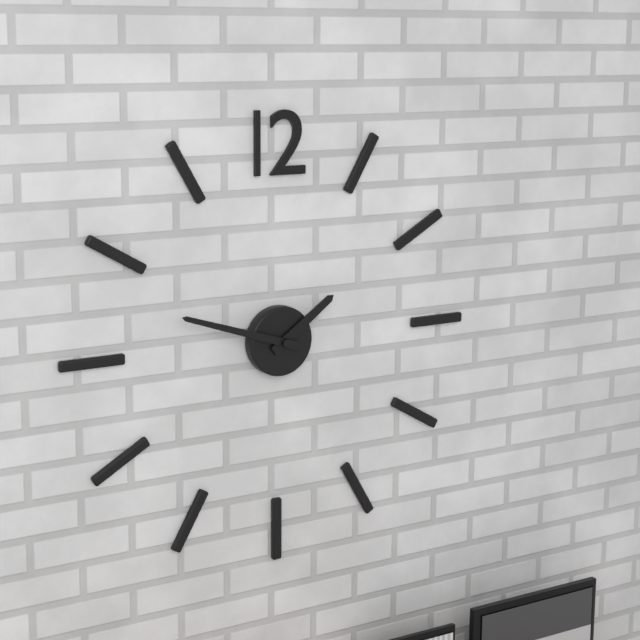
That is 1,48
